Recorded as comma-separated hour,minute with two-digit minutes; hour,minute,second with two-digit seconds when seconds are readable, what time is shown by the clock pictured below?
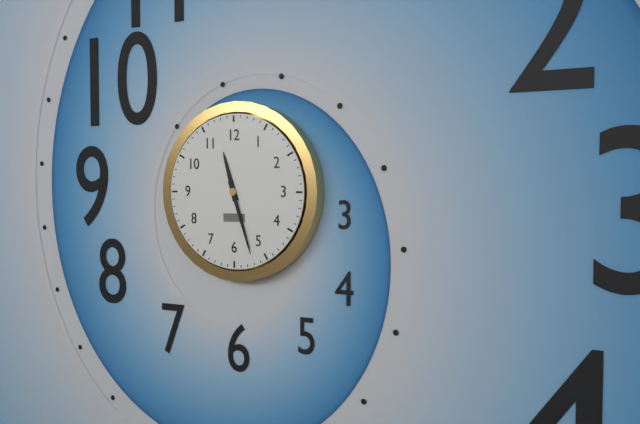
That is 11,27
